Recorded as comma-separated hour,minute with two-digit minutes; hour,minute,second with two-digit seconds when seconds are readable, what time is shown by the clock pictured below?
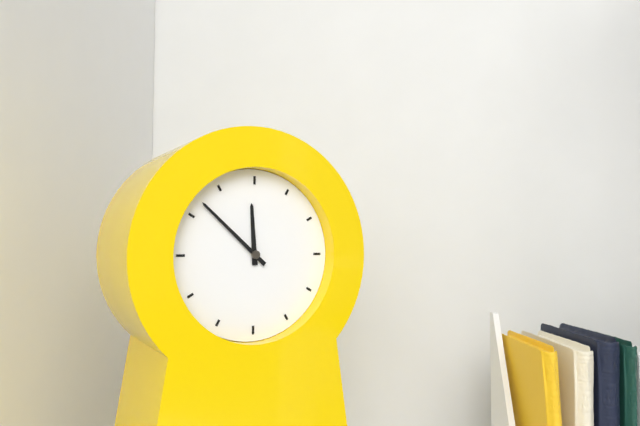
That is 11,52
